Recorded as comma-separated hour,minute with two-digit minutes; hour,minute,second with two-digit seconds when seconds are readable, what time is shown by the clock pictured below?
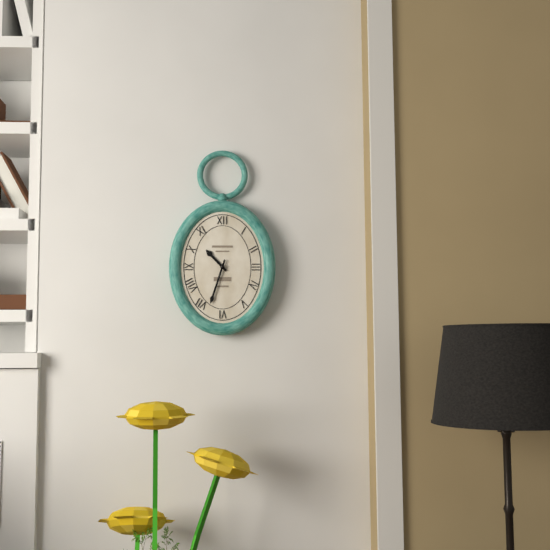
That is 10,33
